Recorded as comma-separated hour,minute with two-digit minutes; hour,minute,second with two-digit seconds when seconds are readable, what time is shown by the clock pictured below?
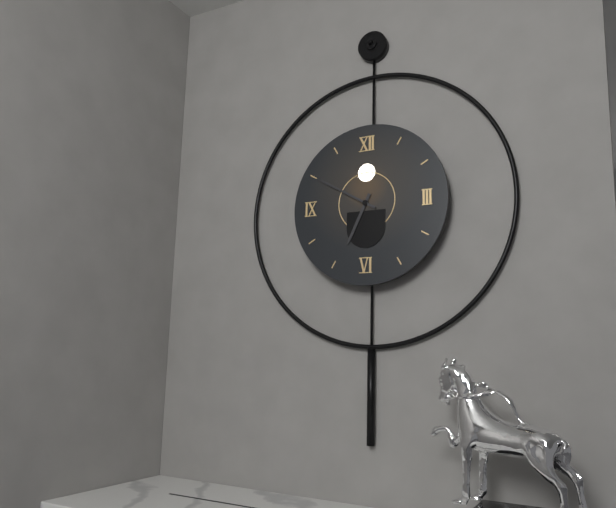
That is 6,50
